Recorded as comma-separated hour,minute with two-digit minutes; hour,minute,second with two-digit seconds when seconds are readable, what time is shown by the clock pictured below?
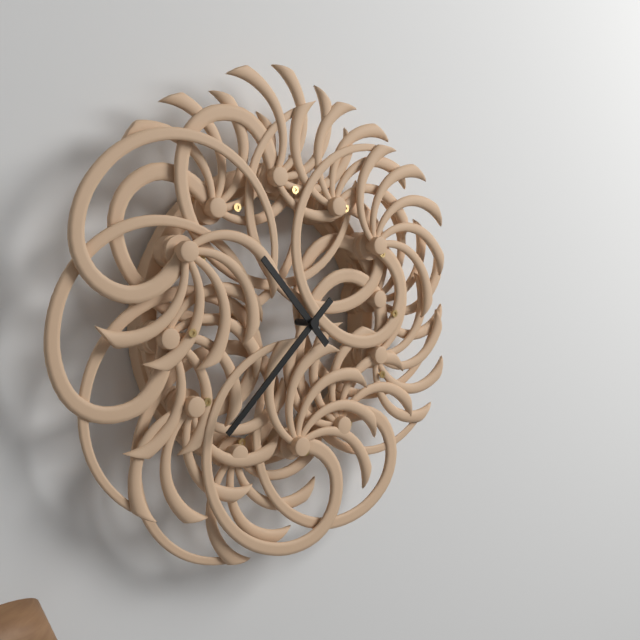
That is 10,38
